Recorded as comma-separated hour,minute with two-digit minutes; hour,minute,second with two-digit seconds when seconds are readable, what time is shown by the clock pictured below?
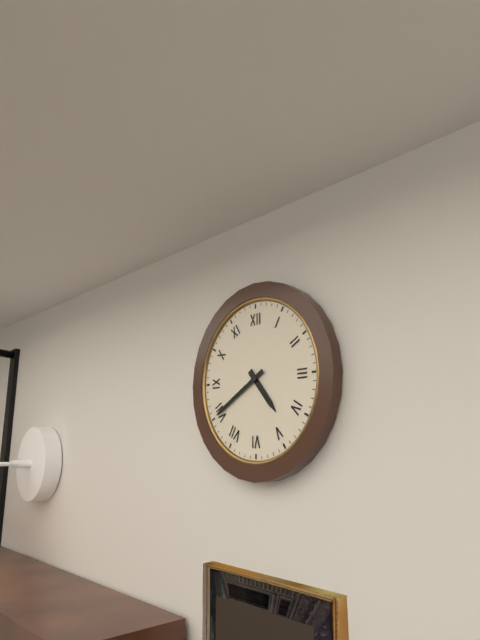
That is 4,40
